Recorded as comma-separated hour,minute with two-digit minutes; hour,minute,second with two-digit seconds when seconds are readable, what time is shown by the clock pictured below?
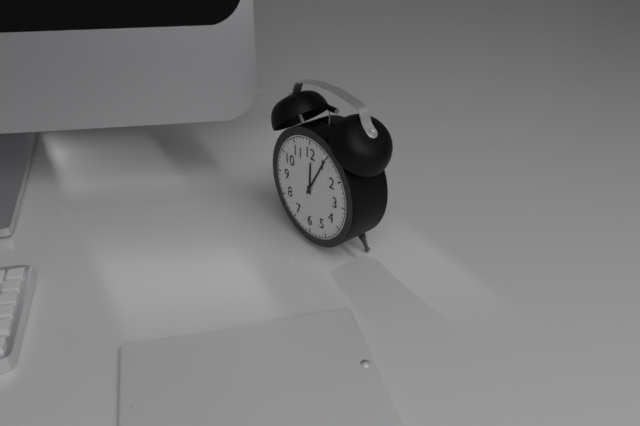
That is 12,05
